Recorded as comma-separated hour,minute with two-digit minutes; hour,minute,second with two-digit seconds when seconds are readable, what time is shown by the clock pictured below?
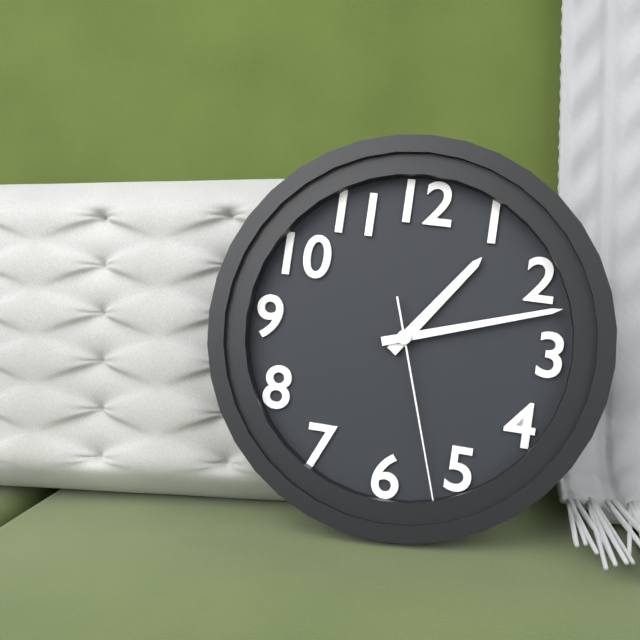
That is 1,12,27
